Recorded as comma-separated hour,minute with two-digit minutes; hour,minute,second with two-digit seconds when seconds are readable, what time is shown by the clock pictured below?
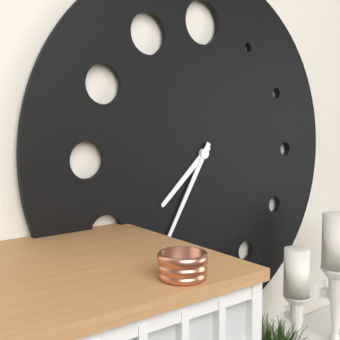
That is 7,35
